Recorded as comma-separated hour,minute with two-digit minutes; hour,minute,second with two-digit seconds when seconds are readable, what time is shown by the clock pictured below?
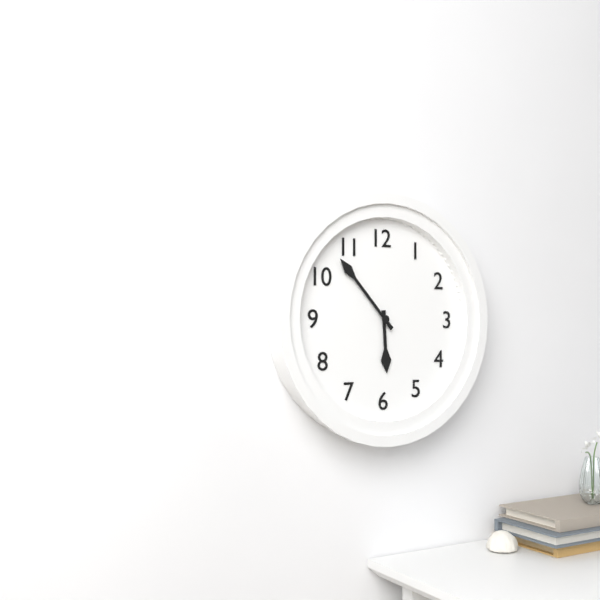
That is 5,53
